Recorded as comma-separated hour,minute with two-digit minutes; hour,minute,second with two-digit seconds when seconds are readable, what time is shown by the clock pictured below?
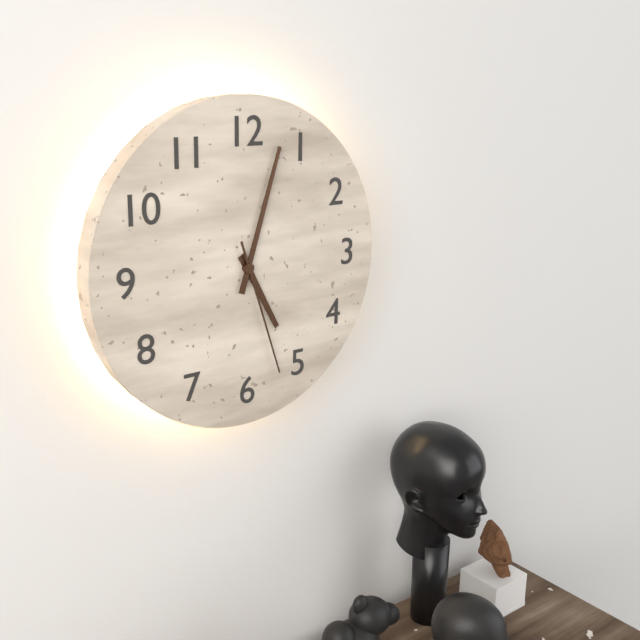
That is 5,03,27
